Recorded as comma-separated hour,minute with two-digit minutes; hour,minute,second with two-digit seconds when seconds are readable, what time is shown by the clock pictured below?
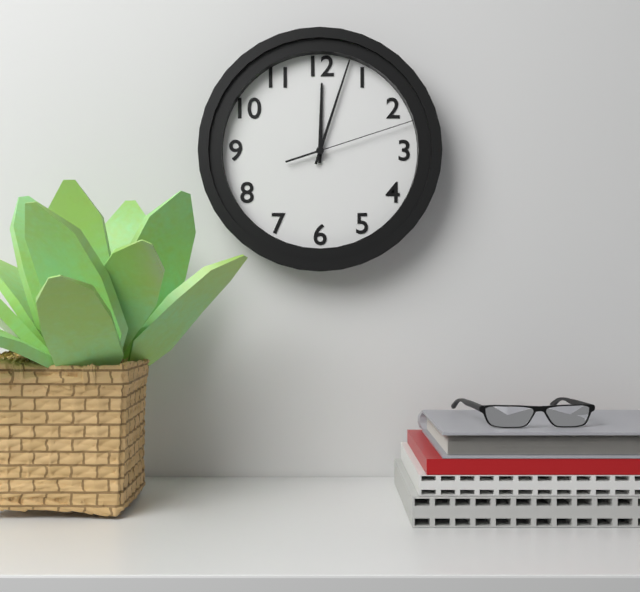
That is 12,03,12
